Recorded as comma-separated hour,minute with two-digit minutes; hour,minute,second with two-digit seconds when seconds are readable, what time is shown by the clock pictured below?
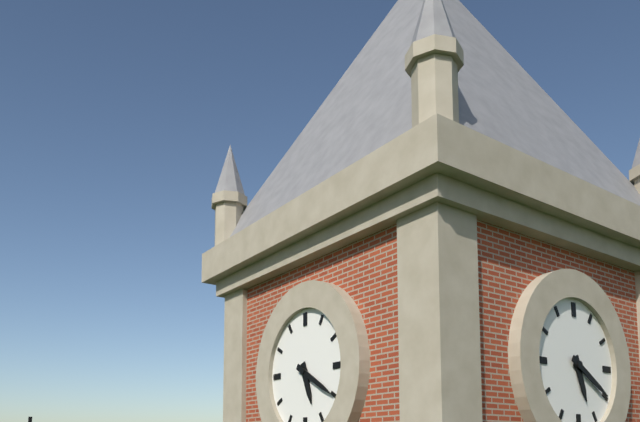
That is 5,20
